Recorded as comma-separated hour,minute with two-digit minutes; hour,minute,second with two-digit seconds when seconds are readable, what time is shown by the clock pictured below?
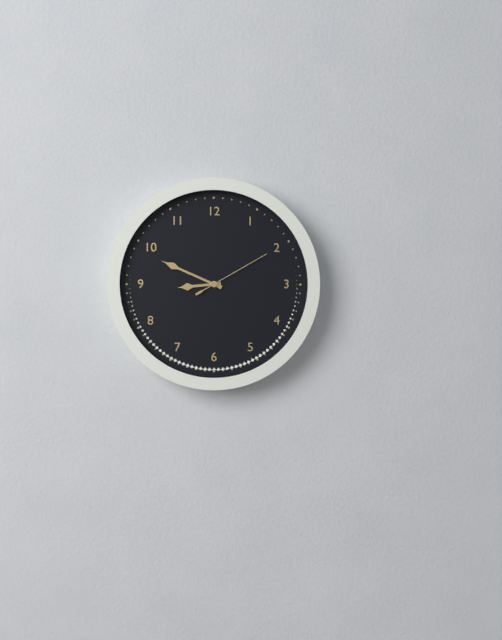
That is 8,49,10
